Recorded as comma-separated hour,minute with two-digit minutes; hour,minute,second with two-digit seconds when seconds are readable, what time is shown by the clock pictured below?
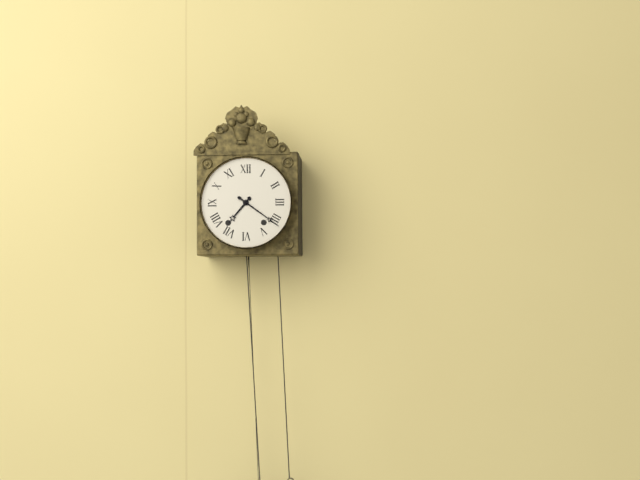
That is 7,21
